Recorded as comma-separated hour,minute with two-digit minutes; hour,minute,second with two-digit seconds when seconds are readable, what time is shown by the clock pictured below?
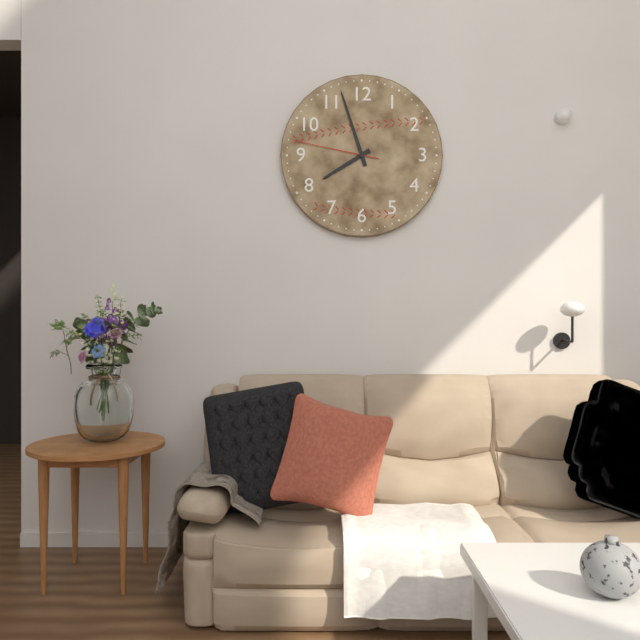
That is 7,57,47
